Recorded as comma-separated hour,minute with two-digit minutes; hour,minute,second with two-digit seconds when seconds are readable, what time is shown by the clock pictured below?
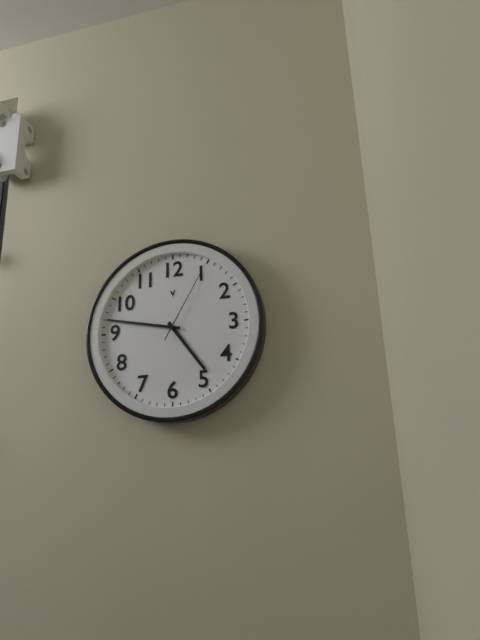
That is 4,47,05
